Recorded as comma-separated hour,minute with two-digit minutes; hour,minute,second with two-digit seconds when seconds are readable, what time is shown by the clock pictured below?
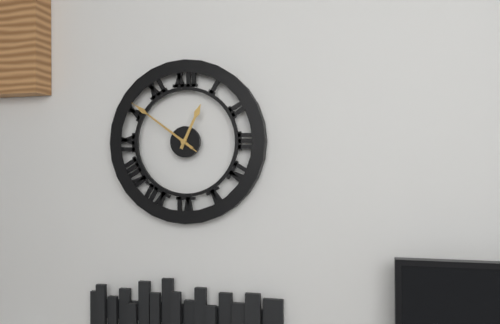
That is 12,51,51
